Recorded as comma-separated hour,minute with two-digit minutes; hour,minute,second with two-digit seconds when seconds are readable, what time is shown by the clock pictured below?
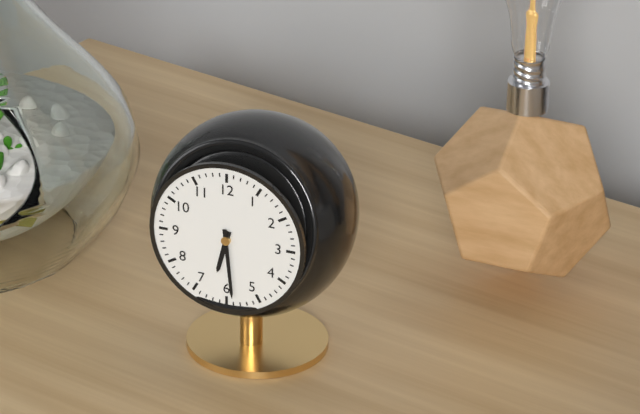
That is 6,29
